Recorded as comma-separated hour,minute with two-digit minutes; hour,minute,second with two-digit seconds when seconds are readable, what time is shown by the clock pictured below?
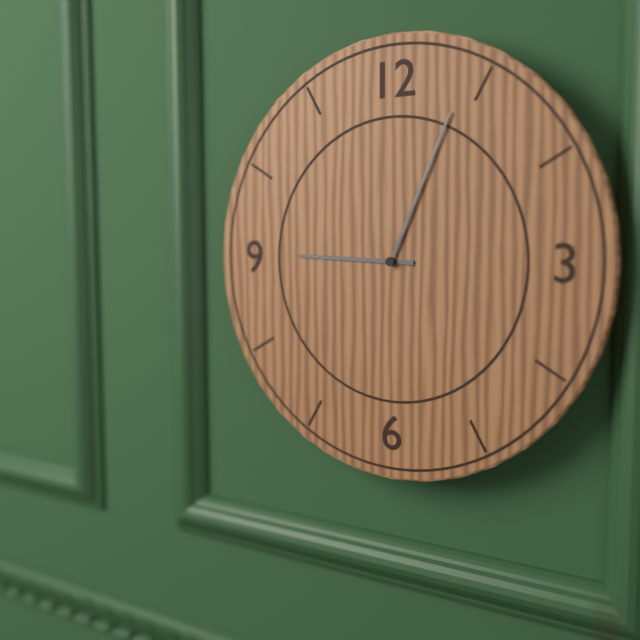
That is 9,04
